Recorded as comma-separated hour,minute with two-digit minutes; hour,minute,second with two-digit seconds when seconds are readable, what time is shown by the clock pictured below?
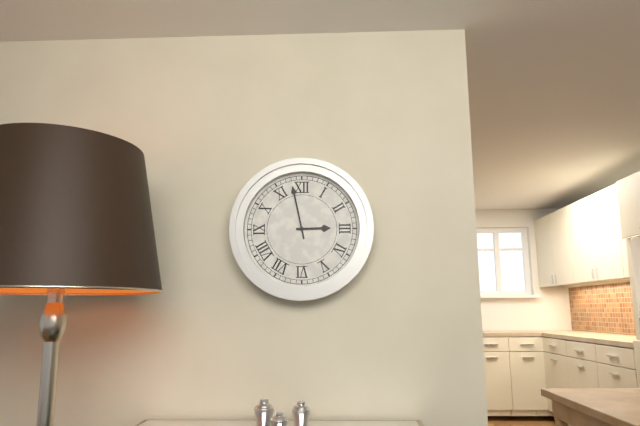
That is 2,58
